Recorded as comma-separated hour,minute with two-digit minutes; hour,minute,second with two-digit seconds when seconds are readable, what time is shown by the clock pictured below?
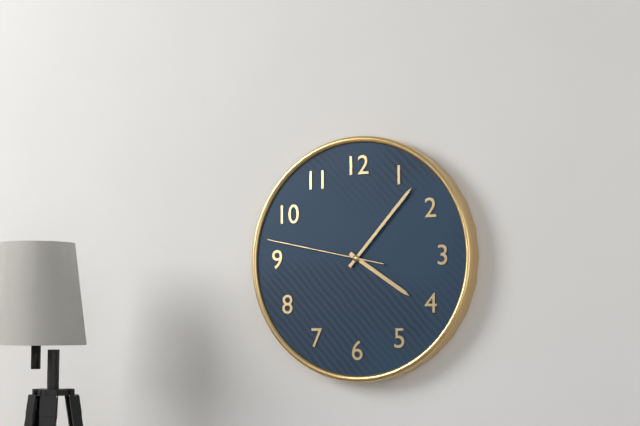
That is 4,07,47
